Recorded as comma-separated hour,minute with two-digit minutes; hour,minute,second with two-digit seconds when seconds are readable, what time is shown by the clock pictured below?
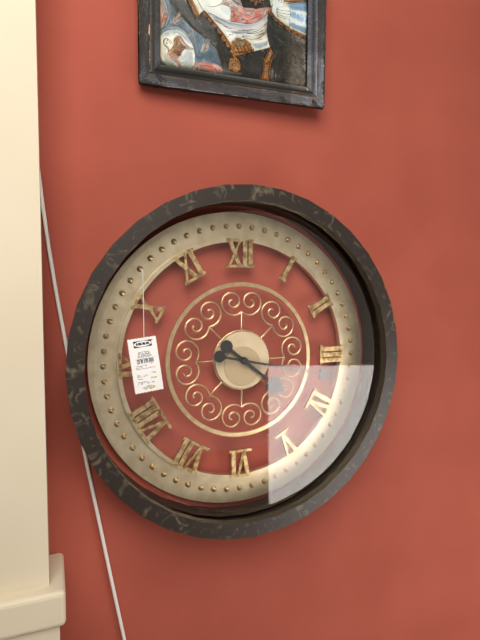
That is 4,17
